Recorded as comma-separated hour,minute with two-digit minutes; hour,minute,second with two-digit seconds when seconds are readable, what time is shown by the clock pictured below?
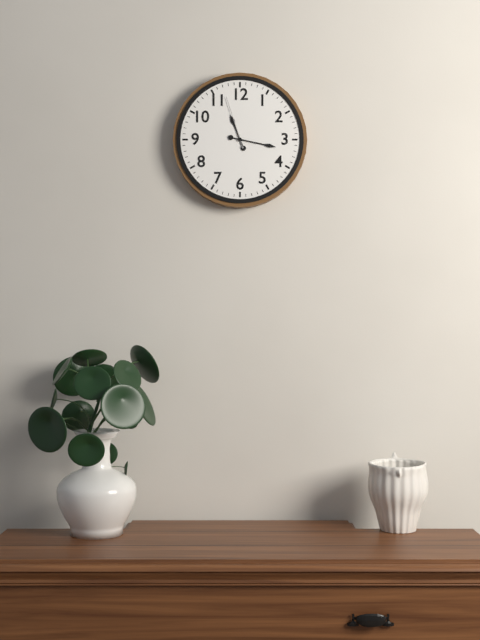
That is 11,17,57
